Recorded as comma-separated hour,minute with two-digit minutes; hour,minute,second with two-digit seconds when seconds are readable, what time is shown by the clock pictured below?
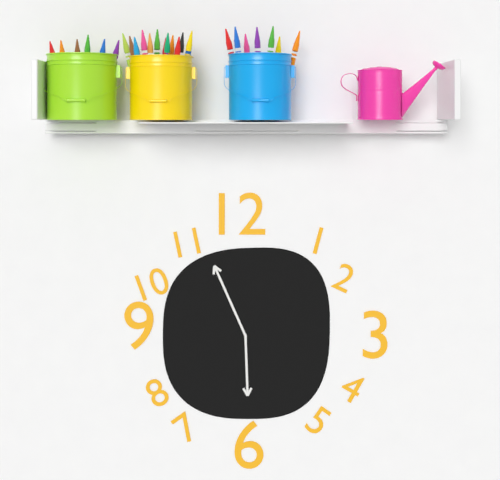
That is 5,56
